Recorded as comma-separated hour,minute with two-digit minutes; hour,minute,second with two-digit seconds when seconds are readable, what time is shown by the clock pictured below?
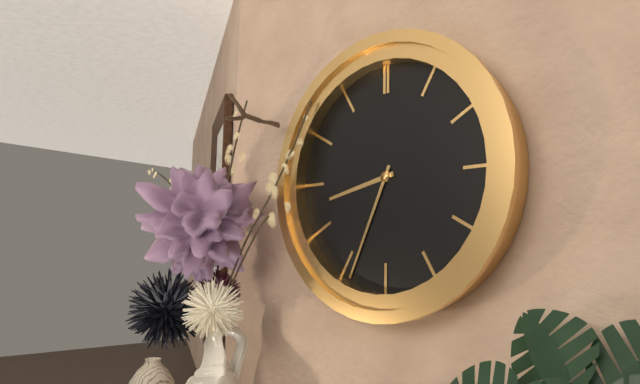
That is 8,34
